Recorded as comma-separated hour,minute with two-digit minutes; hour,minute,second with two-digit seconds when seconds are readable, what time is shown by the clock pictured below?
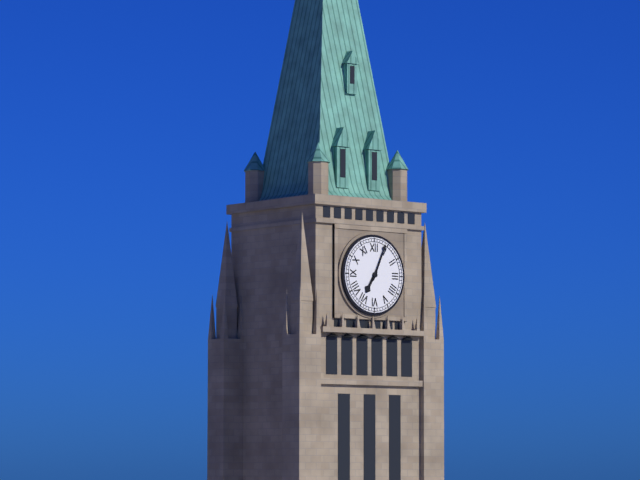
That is 7,04
